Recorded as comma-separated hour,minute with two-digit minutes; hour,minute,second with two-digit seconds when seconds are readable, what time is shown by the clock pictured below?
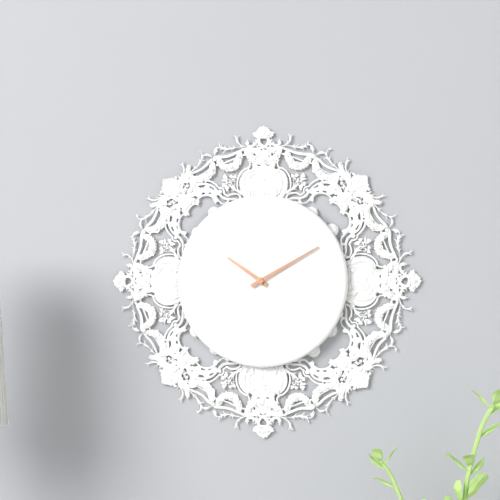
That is 10,10
